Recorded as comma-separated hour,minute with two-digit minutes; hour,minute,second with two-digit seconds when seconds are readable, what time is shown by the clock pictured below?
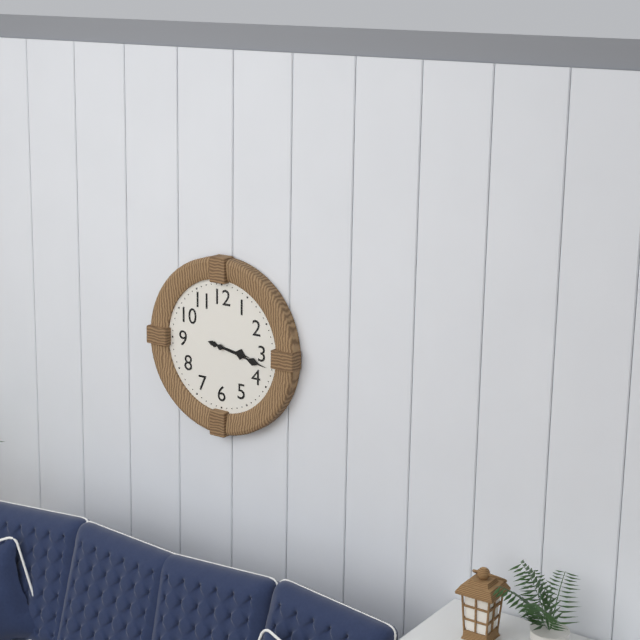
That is 3,17
